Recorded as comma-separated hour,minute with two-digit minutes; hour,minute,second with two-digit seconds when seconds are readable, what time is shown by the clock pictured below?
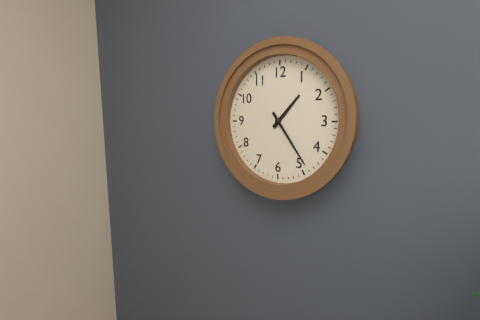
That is 1,24
